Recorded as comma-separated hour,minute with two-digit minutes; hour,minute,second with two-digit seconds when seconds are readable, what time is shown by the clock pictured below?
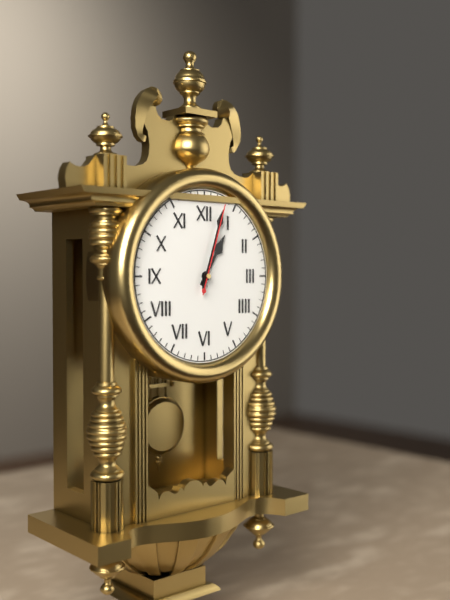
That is 1,03,03
